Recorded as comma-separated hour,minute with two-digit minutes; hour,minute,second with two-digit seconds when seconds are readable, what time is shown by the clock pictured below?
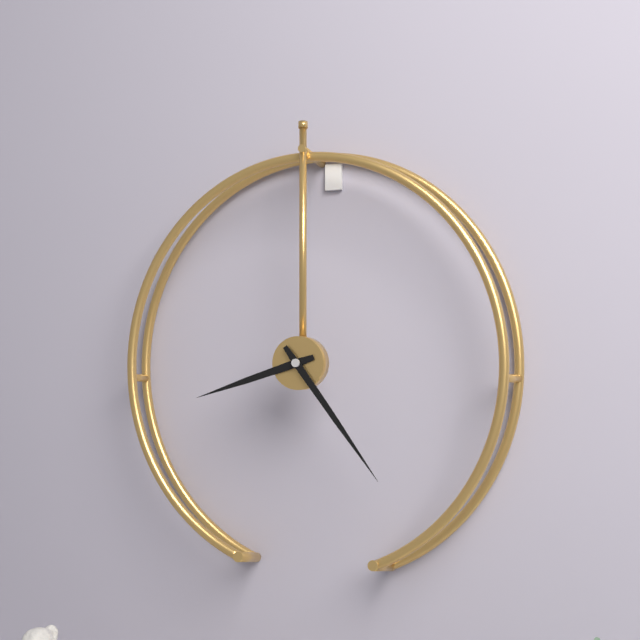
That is 8,24
